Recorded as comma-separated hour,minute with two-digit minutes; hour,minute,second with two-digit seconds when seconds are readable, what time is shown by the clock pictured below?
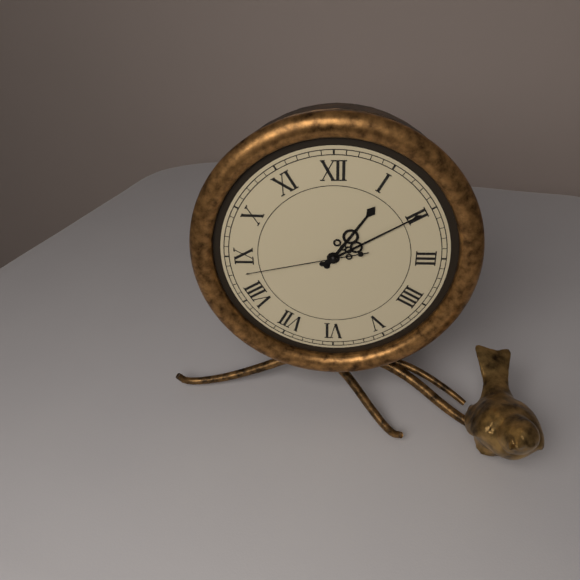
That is 1,10,43
